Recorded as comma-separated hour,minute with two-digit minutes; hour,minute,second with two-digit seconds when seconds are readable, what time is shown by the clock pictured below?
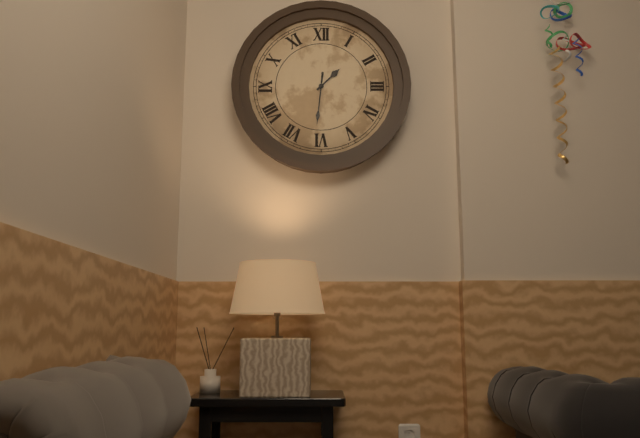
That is 1,31
